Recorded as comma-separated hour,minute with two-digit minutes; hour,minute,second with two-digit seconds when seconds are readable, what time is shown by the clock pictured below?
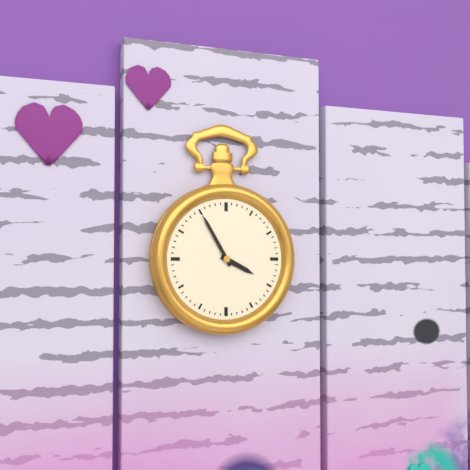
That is 3,55
